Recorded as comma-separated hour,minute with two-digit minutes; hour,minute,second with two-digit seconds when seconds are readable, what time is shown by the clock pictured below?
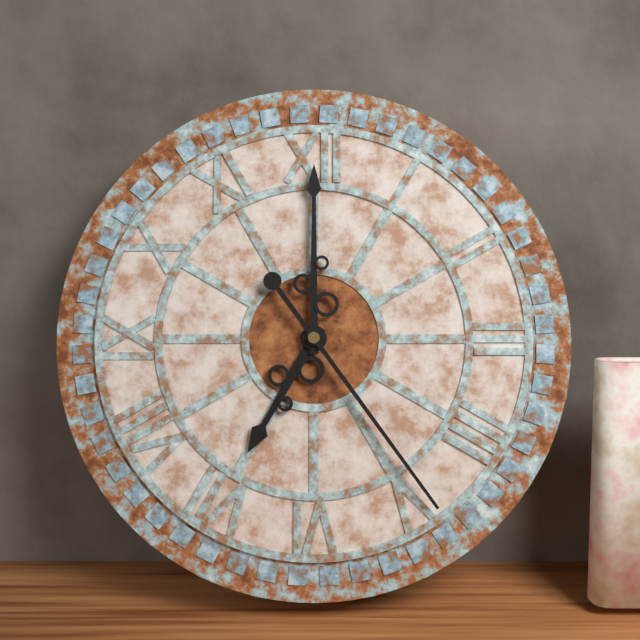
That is 7,00,24
